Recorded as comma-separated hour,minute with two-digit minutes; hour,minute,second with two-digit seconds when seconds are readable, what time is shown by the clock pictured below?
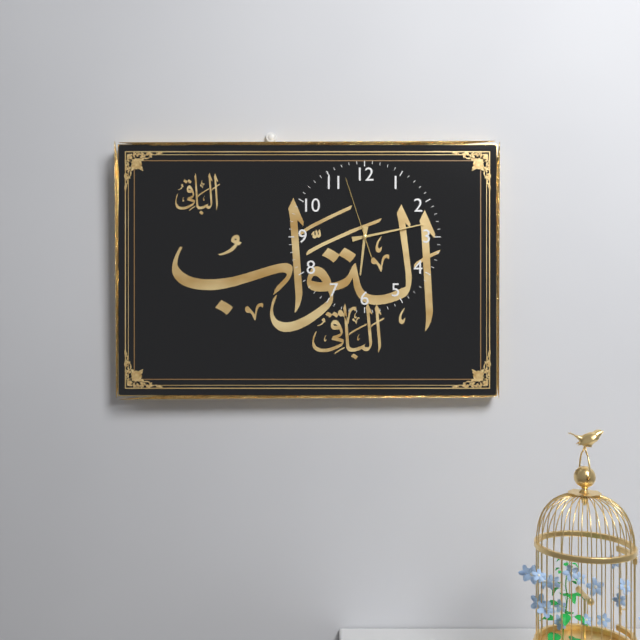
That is 6,13,57
